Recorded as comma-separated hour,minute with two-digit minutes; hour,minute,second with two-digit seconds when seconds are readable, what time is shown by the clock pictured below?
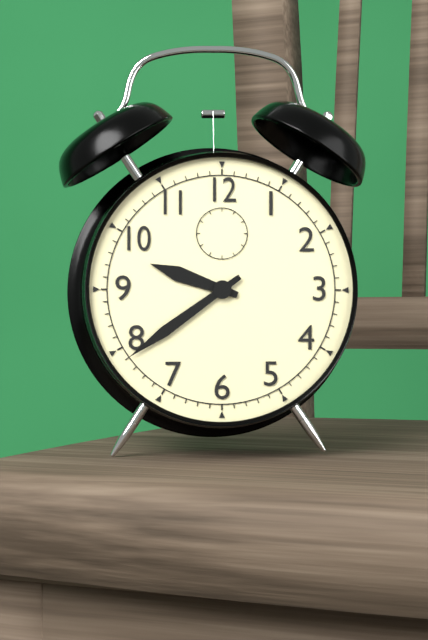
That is 9,39
